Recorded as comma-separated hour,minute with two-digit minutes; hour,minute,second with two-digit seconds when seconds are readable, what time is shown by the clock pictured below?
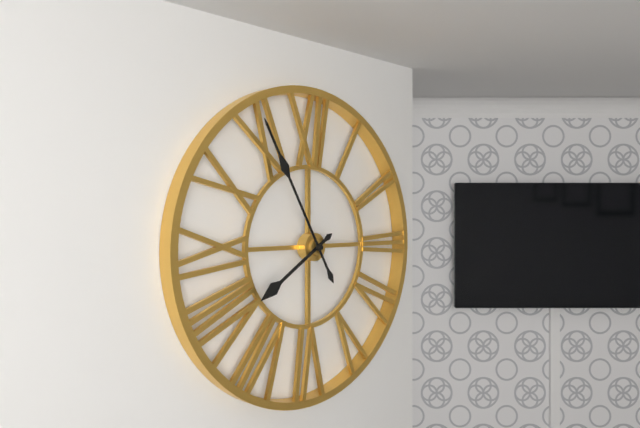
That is 7,55
